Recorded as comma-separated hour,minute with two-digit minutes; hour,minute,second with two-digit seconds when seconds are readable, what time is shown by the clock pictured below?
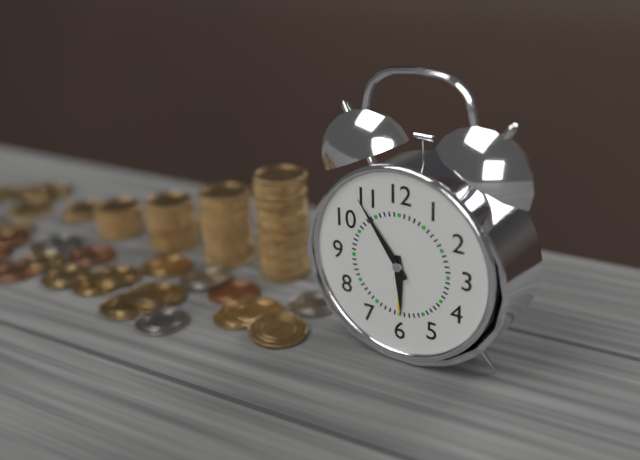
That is 5,54
